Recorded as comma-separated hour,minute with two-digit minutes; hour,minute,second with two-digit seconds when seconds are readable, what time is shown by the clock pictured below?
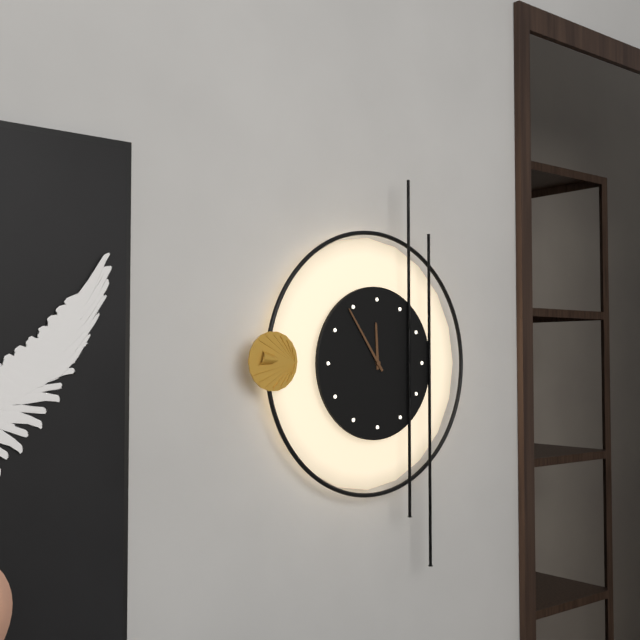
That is 11,54
